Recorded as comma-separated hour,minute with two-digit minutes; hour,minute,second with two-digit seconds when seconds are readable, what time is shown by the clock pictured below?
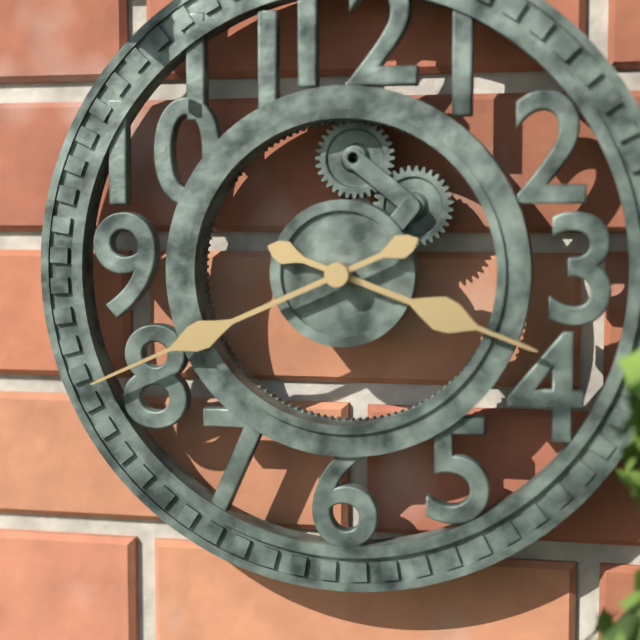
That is 3,41
